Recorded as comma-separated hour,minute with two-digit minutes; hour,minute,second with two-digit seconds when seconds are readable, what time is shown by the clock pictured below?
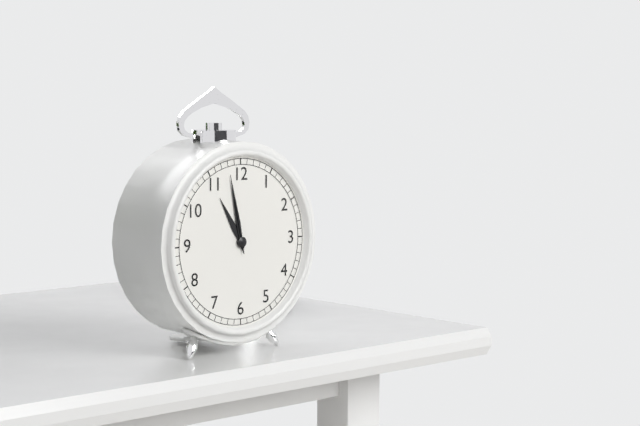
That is 10,58,58
